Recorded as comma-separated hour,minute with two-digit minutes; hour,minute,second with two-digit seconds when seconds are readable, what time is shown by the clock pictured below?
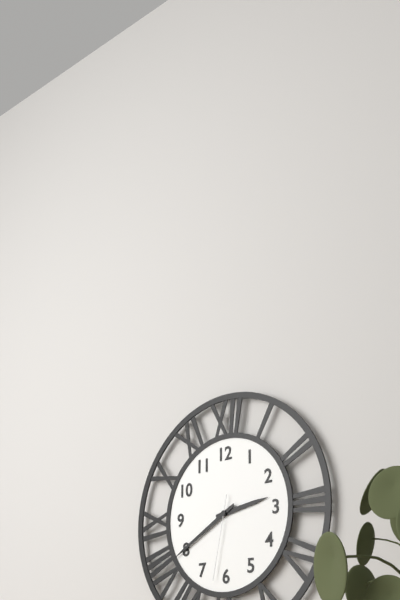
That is 2,40,32
